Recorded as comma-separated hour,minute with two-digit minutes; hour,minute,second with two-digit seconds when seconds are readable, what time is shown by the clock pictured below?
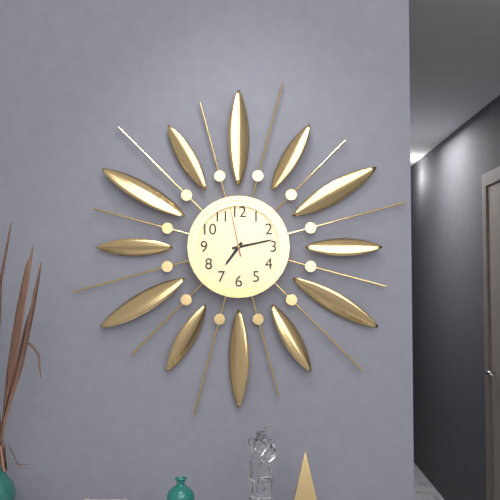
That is 7,13,58
